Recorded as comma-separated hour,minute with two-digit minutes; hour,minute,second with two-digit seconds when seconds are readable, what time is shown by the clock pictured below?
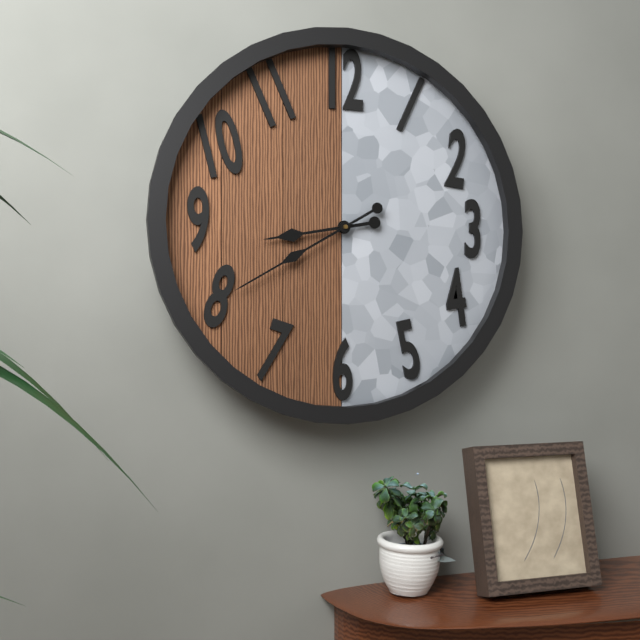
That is 8,40
